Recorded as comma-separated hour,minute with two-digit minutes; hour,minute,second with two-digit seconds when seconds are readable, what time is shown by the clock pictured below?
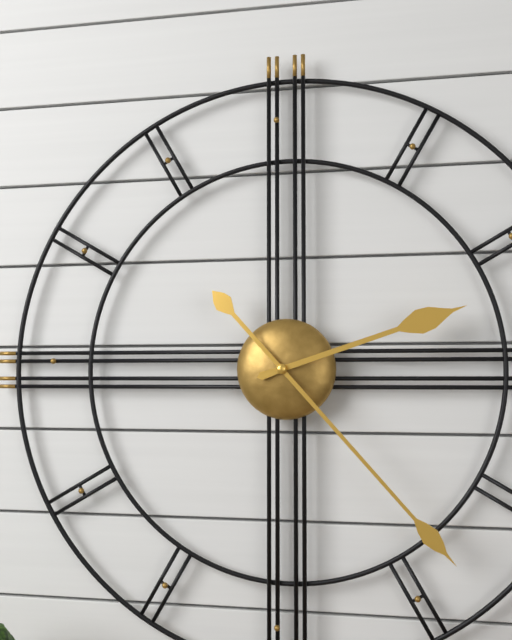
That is 2,23
